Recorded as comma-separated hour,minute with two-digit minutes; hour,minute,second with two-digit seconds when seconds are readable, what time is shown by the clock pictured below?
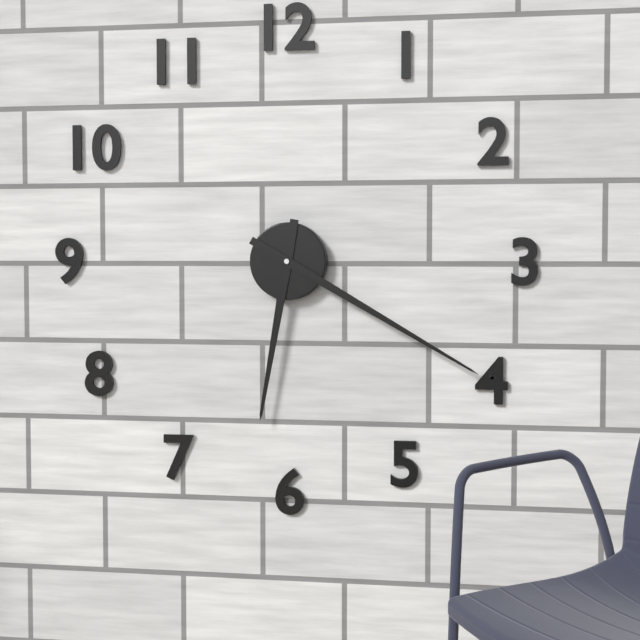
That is 6,20
